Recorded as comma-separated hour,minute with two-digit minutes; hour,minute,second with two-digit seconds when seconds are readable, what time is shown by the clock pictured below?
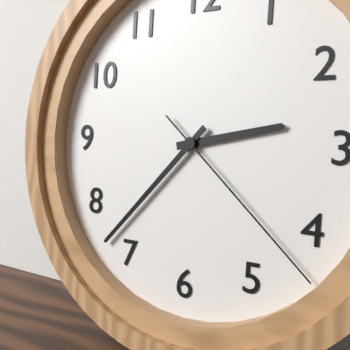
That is 2,37,22
